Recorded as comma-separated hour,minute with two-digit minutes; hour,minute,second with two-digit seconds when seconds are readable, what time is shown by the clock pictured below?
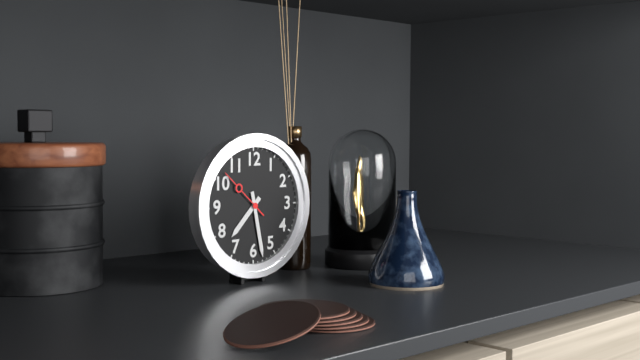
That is 7,28,52
